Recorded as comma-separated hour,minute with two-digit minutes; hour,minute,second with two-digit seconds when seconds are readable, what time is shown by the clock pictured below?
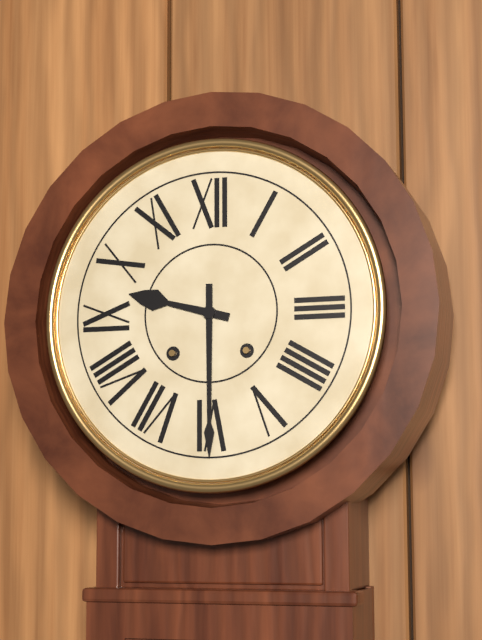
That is 9,30
